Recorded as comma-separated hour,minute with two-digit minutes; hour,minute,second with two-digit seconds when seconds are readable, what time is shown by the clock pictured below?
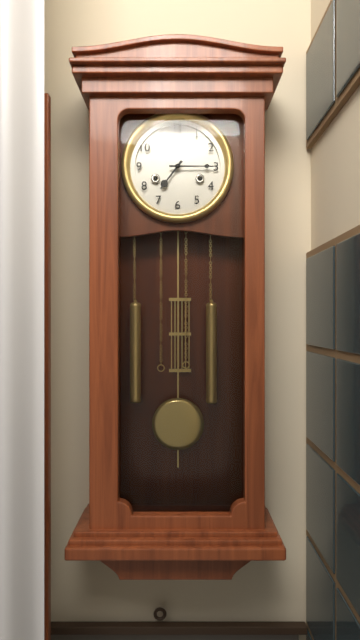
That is 7,15
